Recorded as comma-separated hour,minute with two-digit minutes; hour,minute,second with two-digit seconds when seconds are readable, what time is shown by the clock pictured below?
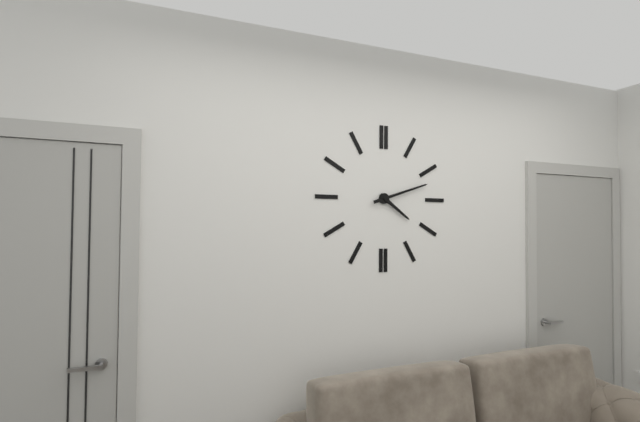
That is 4,12
